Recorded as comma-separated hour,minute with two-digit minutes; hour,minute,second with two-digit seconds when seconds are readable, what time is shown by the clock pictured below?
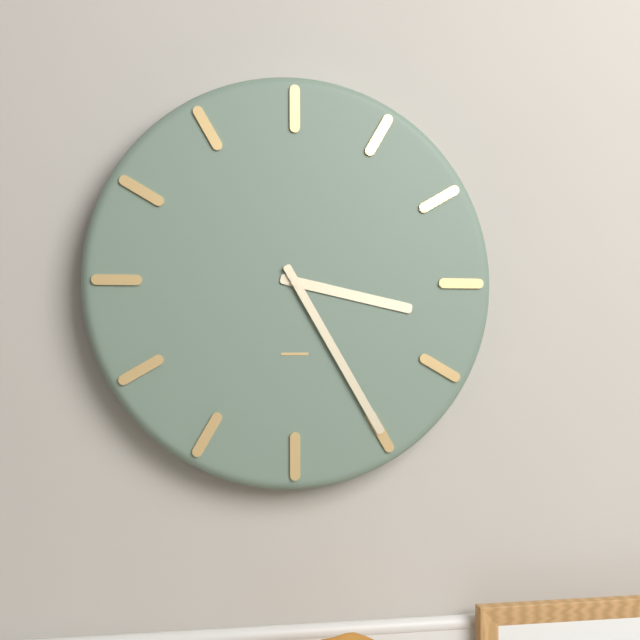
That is 3,25
